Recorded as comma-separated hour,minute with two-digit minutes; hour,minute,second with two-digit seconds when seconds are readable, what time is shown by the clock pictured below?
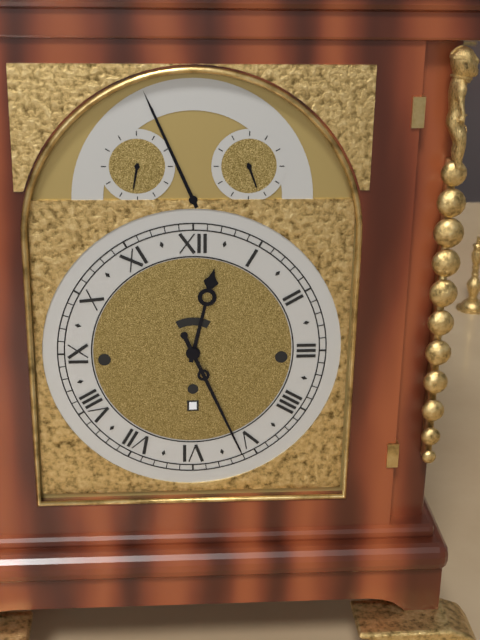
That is 12,26
